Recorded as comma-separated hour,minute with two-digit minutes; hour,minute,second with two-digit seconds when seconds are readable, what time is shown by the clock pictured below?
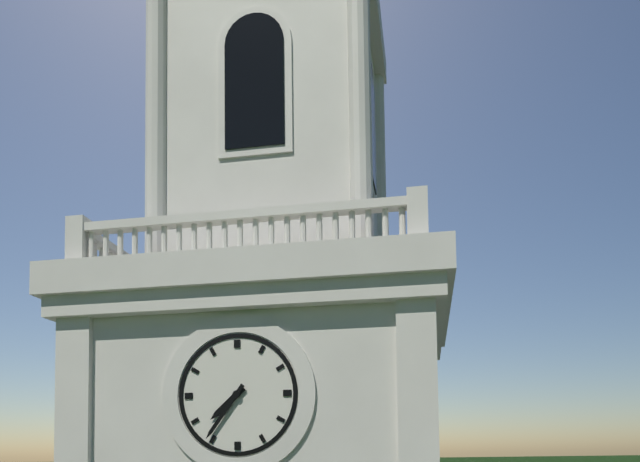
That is 7,36
